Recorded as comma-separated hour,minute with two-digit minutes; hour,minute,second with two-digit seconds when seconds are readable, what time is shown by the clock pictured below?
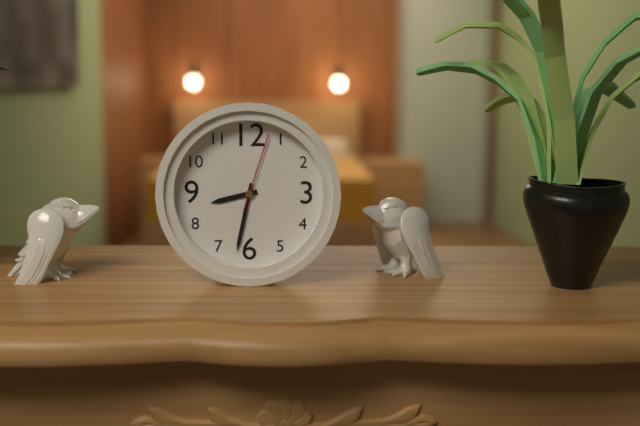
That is 8,32,03
